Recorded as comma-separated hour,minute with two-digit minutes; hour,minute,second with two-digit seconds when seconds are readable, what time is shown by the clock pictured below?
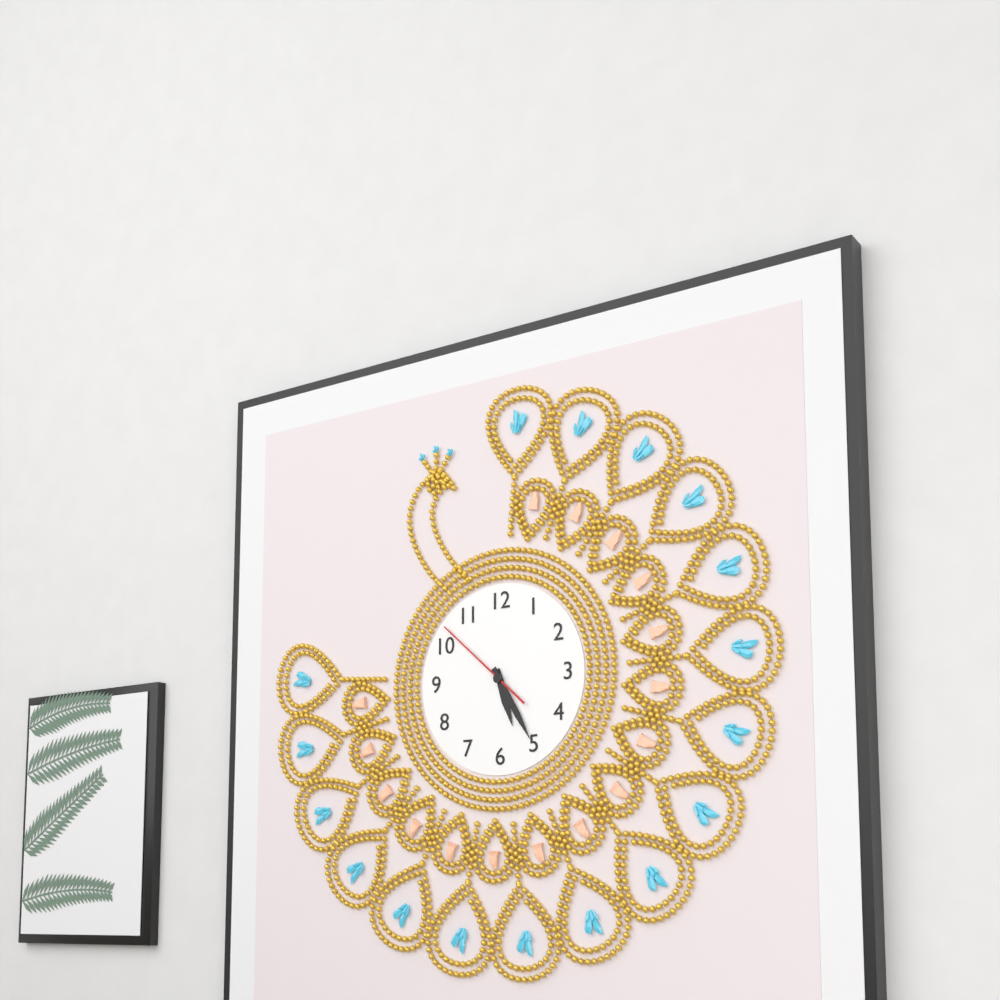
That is 5,25,52
